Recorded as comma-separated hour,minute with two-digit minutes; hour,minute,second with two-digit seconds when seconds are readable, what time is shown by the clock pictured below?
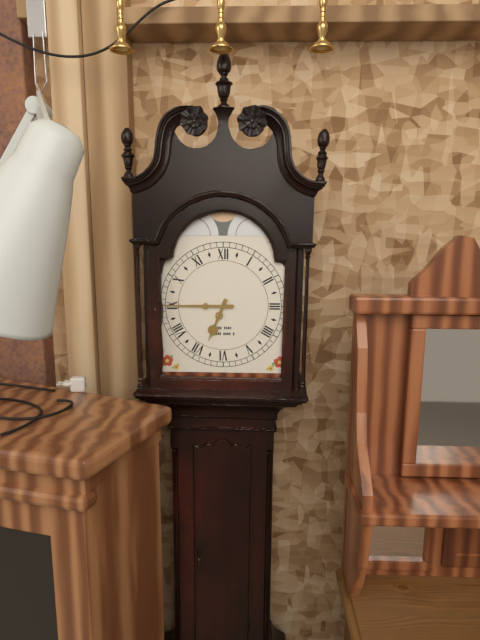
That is 6,45
